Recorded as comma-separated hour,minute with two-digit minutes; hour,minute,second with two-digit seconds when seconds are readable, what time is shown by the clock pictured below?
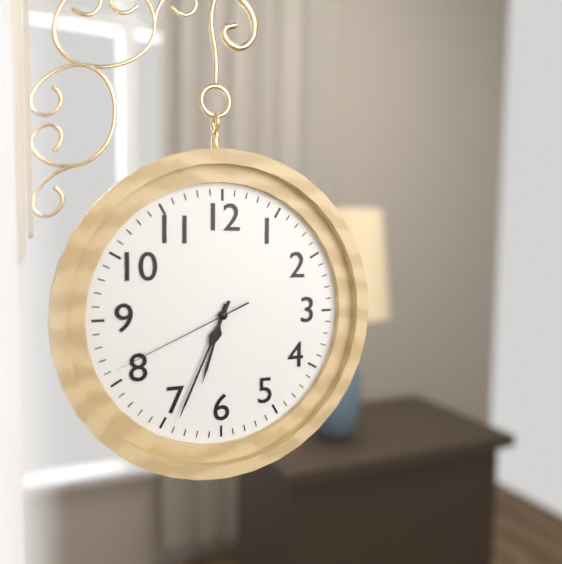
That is 6,34,41
